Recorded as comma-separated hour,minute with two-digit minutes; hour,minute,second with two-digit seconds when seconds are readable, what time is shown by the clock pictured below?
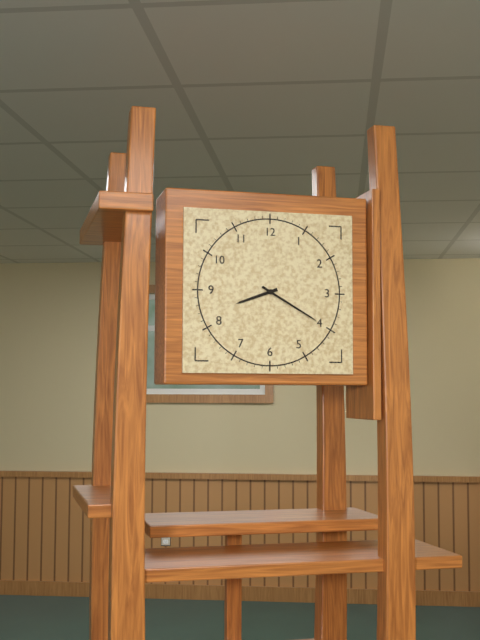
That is 8,20
